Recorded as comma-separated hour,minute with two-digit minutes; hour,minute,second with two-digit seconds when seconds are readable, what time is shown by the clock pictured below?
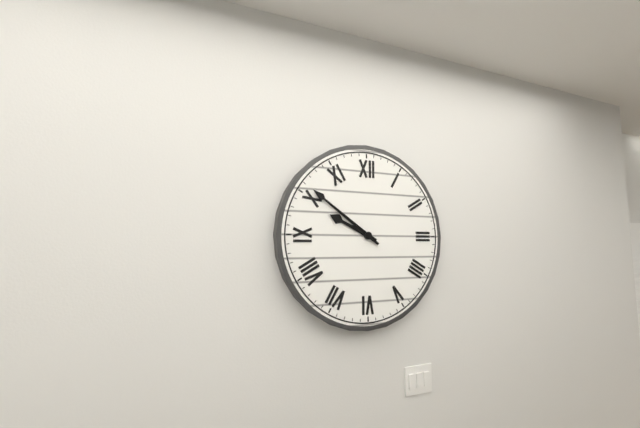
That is 9,51
